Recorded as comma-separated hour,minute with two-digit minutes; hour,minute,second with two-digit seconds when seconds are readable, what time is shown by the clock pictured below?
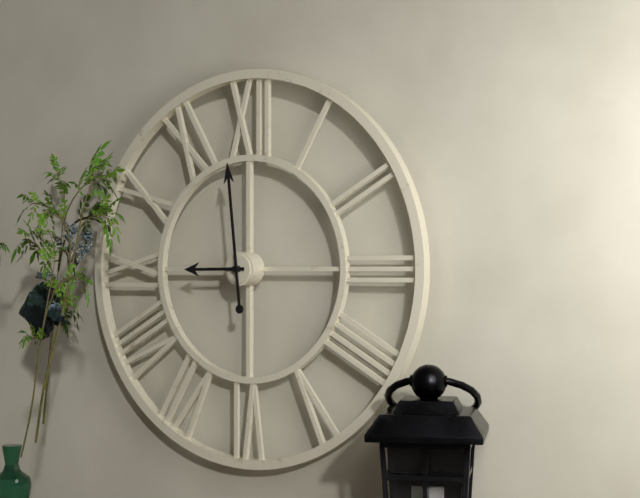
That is 8,59
